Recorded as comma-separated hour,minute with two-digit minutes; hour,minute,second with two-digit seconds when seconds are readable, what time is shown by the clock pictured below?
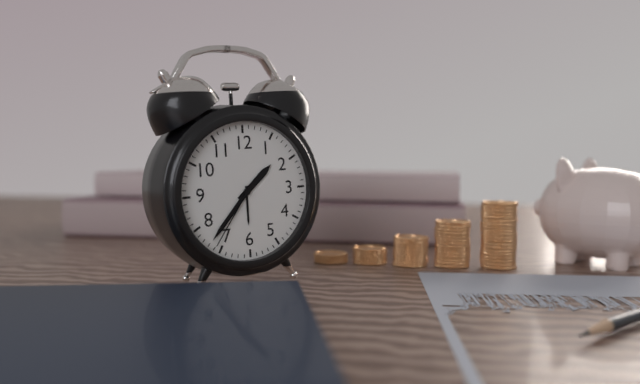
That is 1,37,36
